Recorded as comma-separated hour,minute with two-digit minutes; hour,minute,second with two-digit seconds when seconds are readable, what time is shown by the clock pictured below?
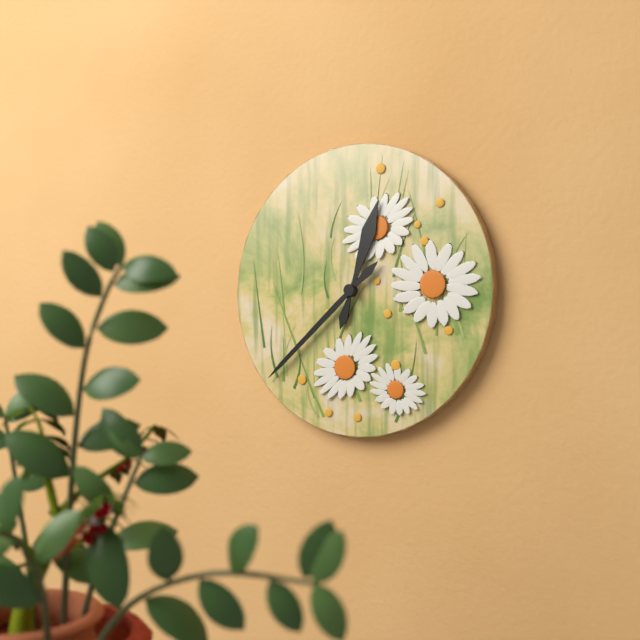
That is 12,38
